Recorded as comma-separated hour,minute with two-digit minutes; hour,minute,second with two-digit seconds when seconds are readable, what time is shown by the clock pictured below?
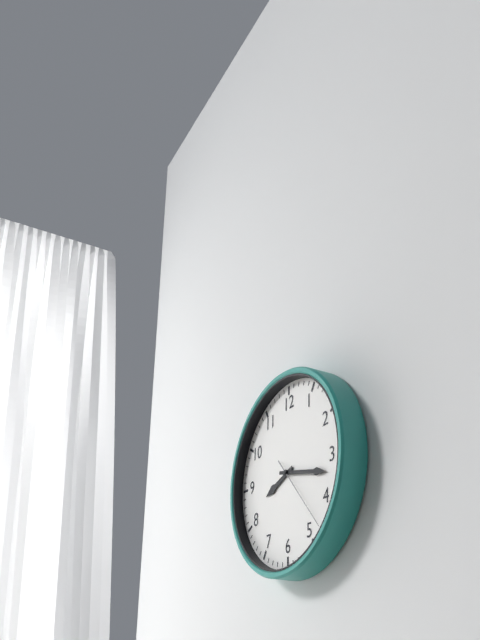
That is 8,17,23
